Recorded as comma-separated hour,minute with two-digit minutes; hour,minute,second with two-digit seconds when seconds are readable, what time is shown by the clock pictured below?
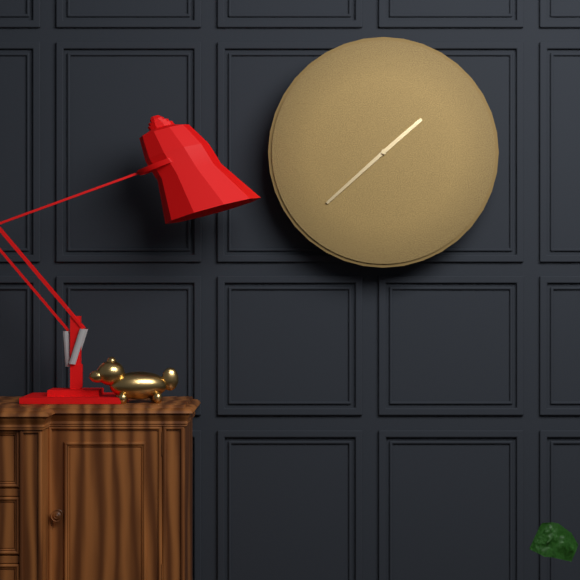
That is 1,38
